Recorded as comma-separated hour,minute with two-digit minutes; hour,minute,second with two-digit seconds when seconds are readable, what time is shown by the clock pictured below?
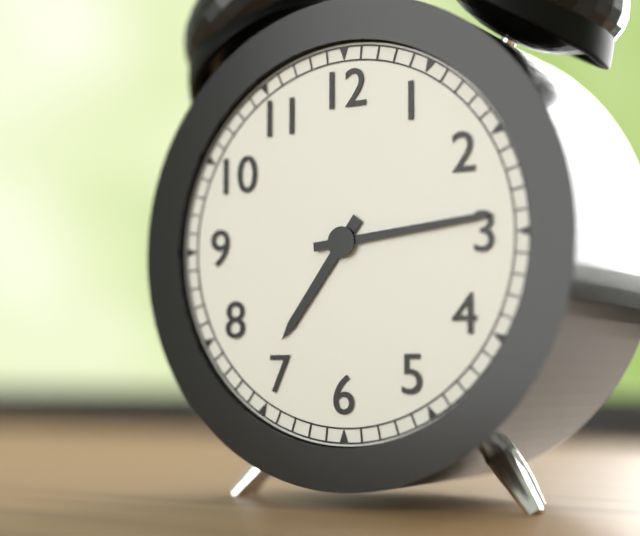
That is 7,14
